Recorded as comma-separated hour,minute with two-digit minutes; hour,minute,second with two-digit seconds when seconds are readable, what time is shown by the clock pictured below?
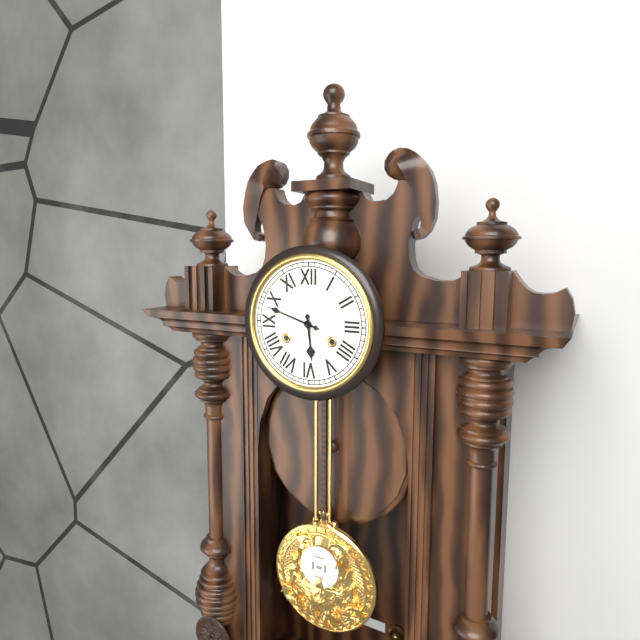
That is 5,48
